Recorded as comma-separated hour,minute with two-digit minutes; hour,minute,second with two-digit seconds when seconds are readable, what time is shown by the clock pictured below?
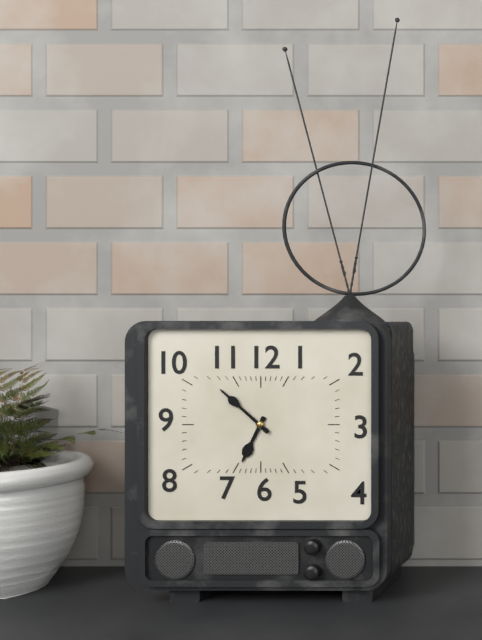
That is 6,52
